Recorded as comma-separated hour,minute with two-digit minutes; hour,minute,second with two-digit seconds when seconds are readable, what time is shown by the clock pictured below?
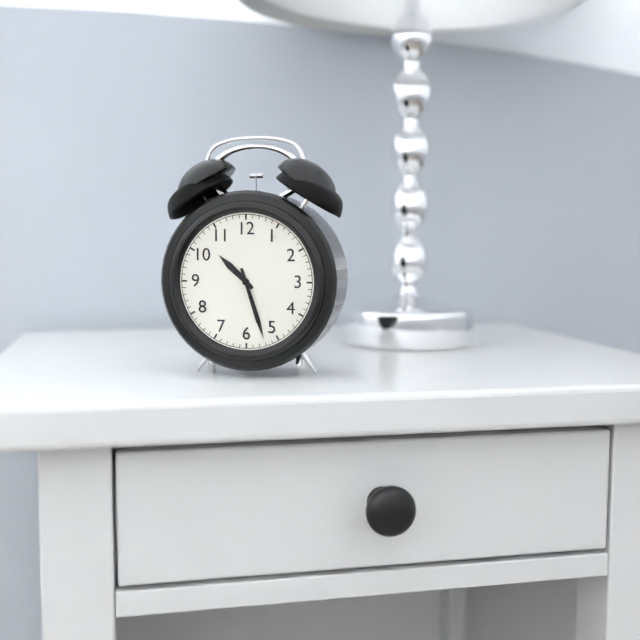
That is 10,27
